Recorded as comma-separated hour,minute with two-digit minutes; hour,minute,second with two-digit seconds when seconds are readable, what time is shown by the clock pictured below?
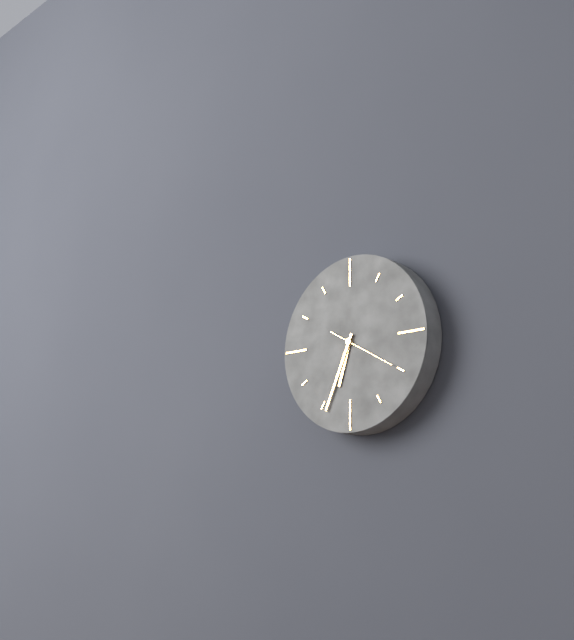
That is 6,34,20
